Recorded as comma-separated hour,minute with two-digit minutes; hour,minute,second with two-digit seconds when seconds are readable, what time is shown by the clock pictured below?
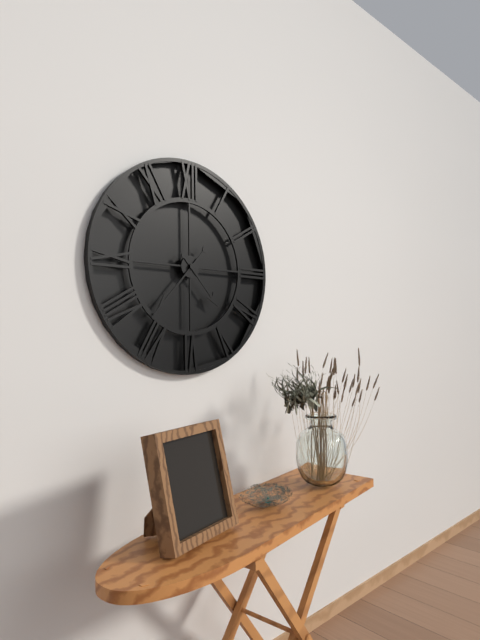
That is 4,37
